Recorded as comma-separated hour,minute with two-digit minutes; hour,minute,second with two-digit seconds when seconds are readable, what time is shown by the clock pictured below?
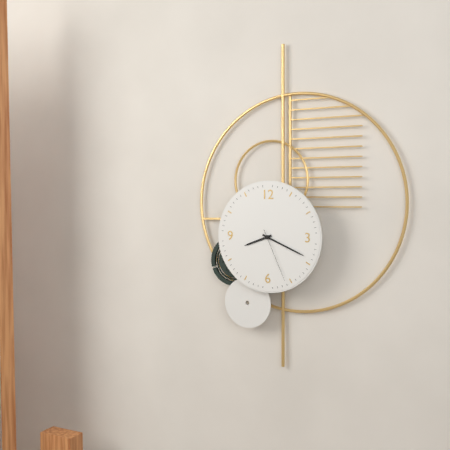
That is 8,19,26
